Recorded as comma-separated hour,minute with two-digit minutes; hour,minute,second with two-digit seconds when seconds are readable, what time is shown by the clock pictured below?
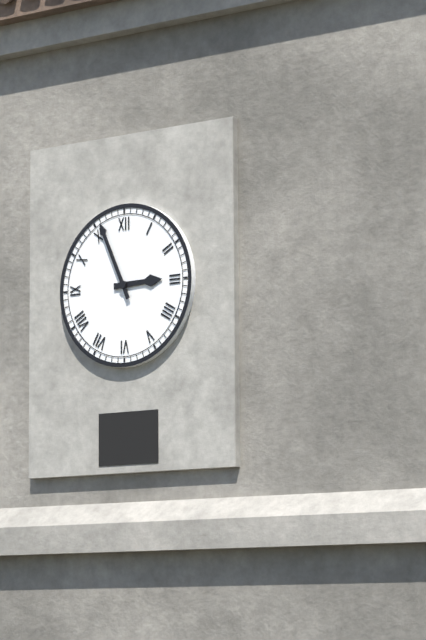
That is 2,56
